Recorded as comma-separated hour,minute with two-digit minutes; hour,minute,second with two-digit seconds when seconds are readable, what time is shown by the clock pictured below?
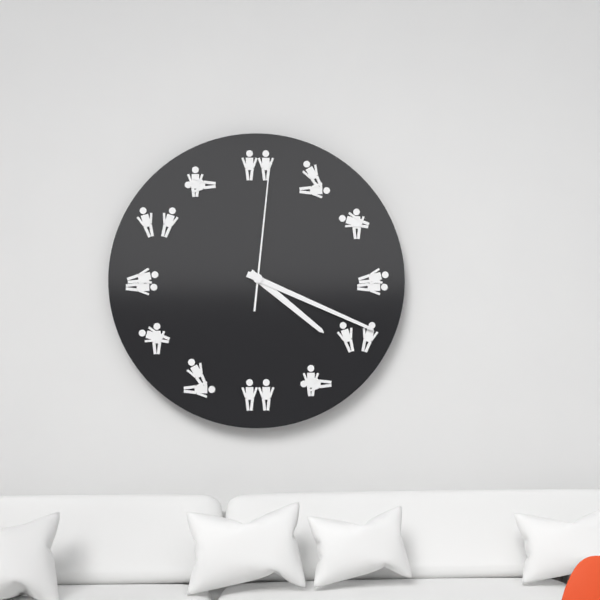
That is 4,19,01
